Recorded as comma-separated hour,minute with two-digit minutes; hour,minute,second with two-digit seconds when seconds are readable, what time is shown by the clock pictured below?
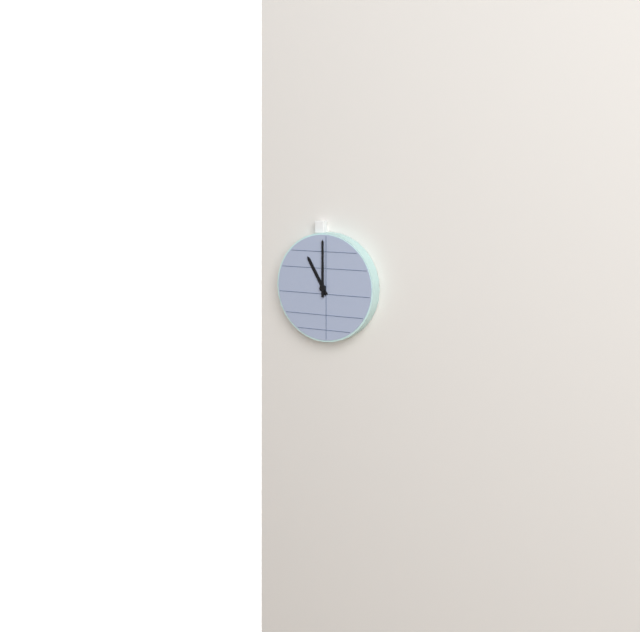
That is 11,00
